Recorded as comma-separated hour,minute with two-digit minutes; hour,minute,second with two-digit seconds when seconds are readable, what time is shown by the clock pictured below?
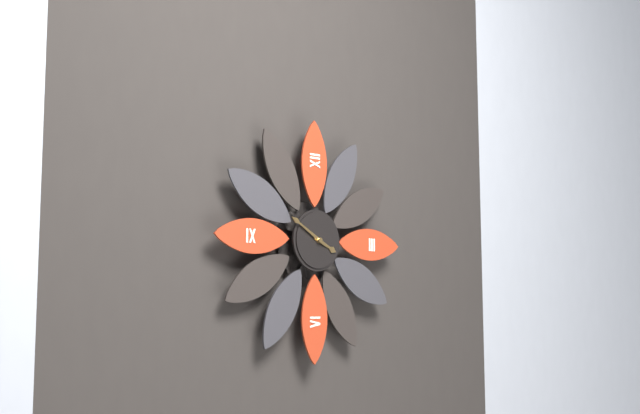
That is 3,50
